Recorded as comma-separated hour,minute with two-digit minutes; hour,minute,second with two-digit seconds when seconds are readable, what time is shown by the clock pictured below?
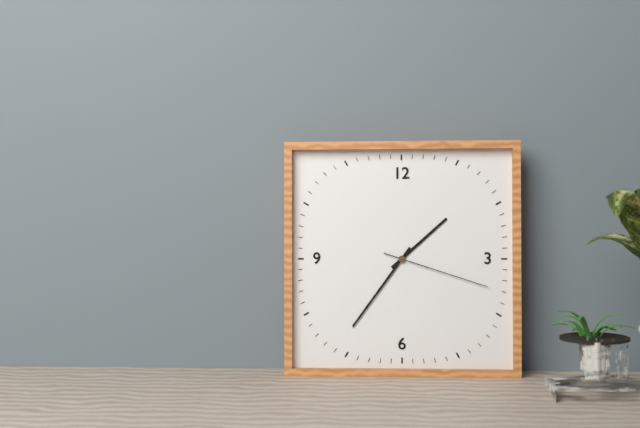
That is 1,36,18
